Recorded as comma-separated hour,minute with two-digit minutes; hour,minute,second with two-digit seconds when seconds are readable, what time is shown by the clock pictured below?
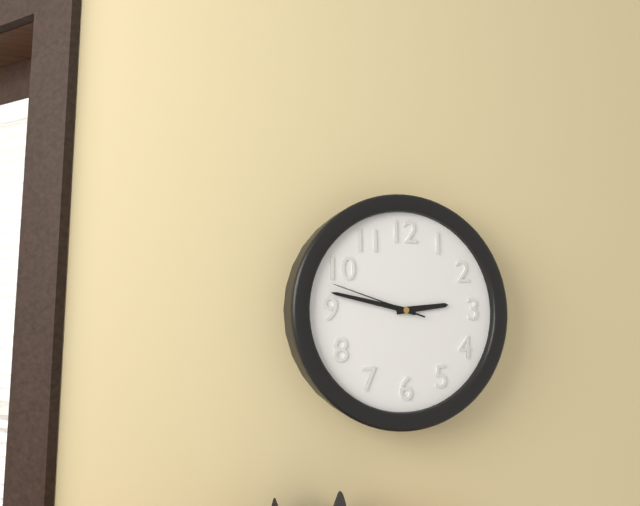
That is 2,47,48
